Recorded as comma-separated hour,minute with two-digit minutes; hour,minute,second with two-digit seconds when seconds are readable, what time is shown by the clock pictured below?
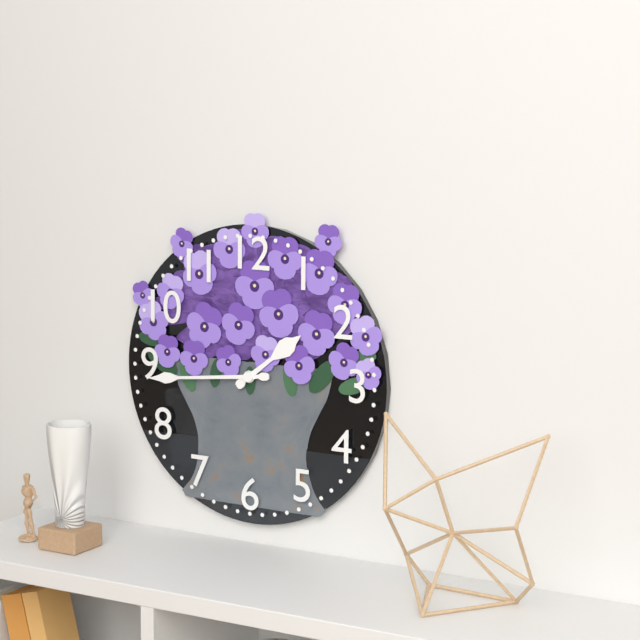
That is 1,44
